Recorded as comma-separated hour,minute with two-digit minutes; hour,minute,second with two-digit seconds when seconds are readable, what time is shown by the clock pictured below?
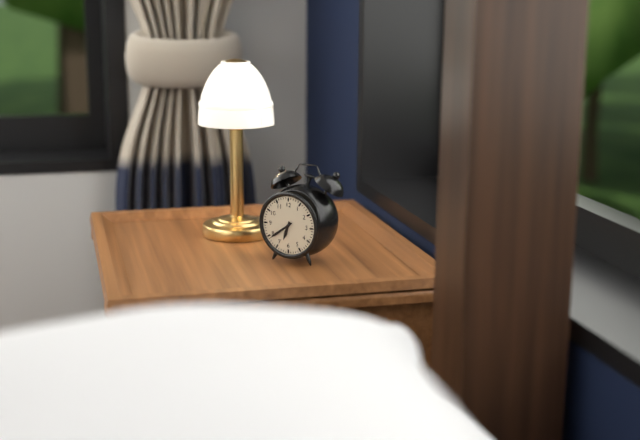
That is 6,39
